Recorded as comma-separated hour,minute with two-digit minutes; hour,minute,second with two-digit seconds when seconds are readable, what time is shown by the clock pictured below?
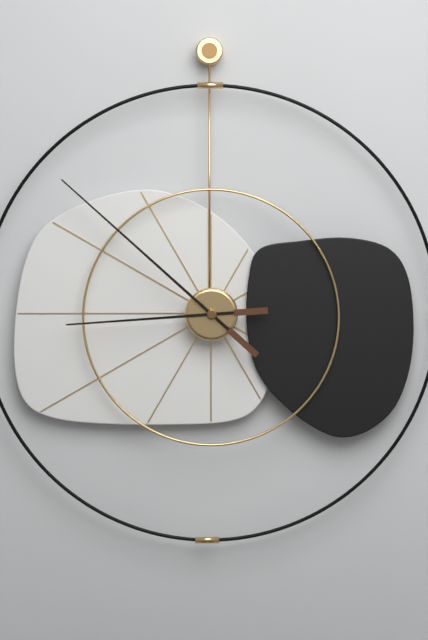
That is 8,52
